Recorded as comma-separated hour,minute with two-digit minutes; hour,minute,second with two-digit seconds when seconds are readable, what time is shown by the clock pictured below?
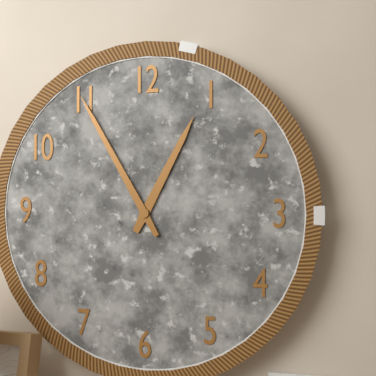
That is 12,55
